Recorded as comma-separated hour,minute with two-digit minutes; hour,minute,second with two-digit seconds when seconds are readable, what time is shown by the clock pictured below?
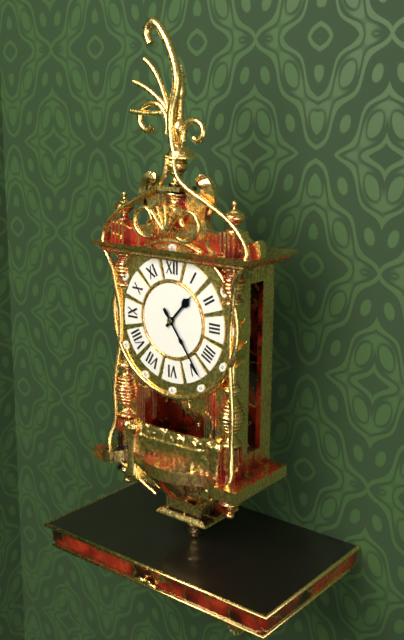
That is 1,24
